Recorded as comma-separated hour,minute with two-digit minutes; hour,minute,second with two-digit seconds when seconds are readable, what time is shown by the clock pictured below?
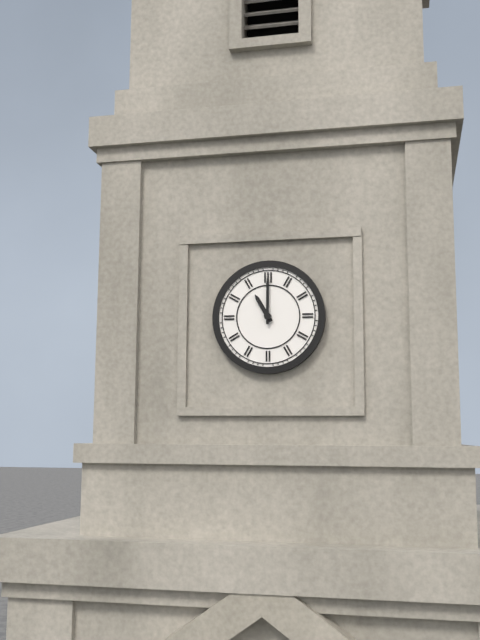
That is 11,00
